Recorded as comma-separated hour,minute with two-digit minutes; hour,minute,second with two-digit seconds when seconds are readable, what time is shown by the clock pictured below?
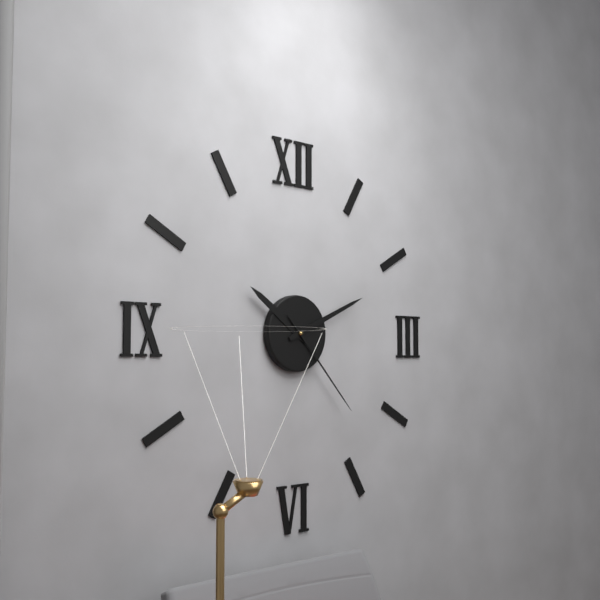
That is 10,11,23
